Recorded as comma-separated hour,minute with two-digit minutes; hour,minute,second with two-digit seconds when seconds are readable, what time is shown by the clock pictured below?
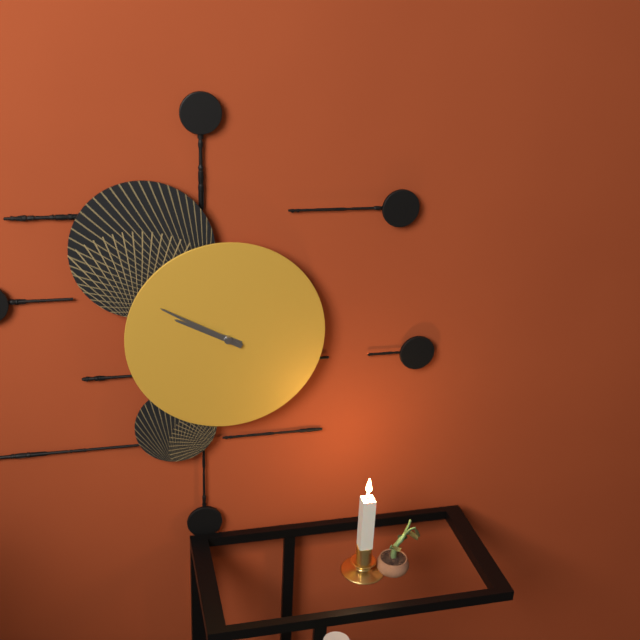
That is 9,50
